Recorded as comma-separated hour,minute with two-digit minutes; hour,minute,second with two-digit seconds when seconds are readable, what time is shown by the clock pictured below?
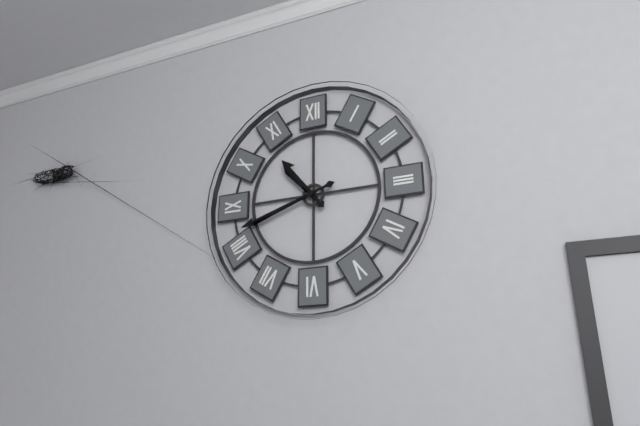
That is 10,42
